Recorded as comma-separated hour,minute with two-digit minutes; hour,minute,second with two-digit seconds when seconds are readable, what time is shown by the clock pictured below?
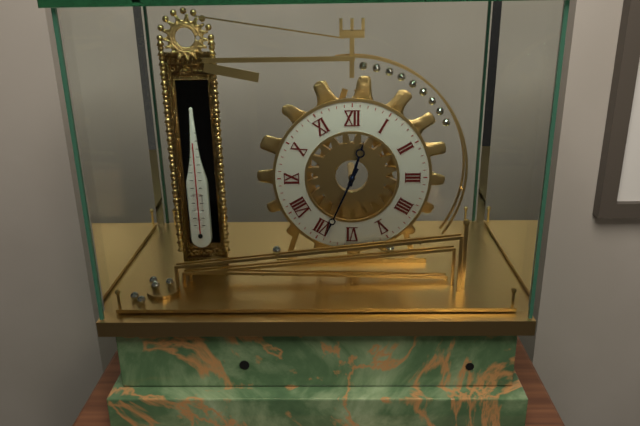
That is 12,34
